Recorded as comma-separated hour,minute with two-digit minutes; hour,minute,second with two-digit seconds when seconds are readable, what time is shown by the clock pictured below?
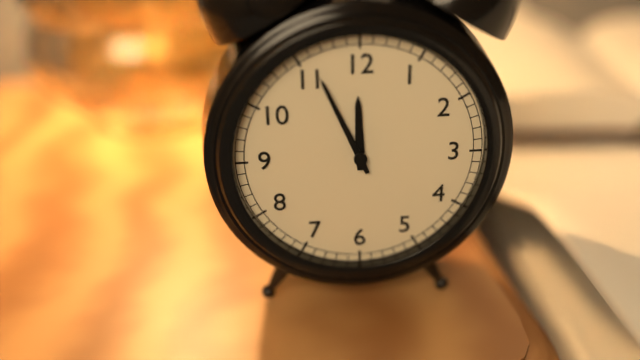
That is 11,56
